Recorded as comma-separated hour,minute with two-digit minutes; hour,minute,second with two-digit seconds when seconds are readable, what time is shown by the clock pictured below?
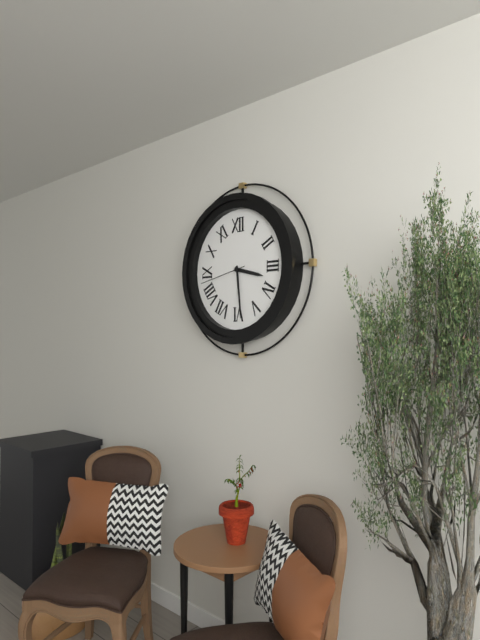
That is 3,29
